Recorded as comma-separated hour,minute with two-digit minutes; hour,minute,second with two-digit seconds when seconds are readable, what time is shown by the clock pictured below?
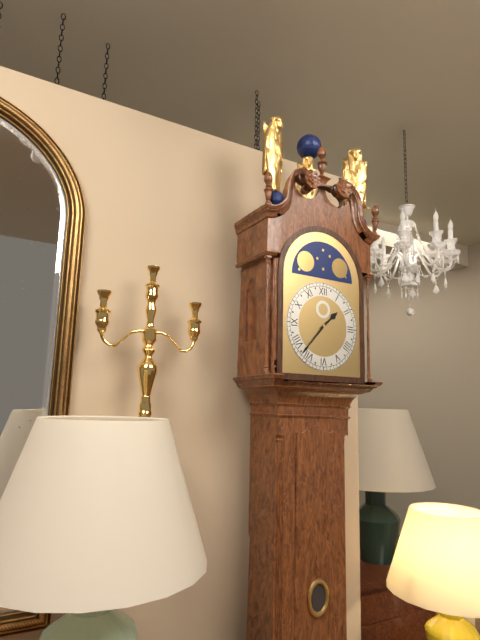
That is 1,37
